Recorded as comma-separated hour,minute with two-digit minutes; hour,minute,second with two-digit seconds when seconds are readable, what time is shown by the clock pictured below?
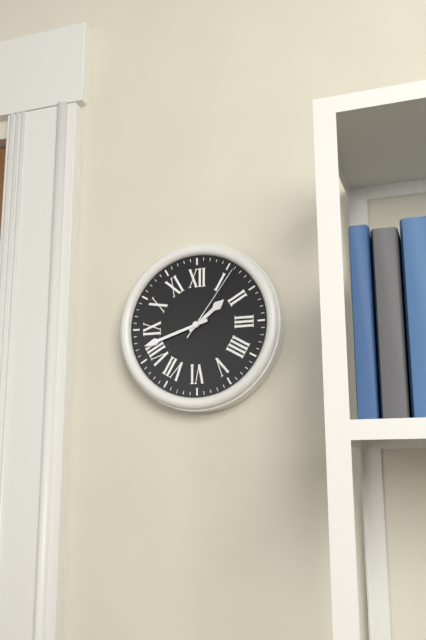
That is 1,42,06
